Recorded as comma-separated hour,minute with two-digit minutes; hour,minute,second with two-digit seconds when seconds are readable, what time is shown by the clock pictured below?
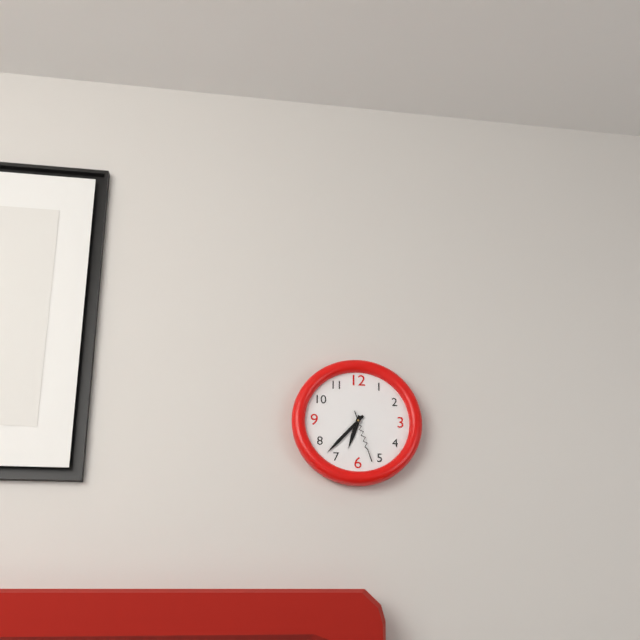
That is 6,37,27
